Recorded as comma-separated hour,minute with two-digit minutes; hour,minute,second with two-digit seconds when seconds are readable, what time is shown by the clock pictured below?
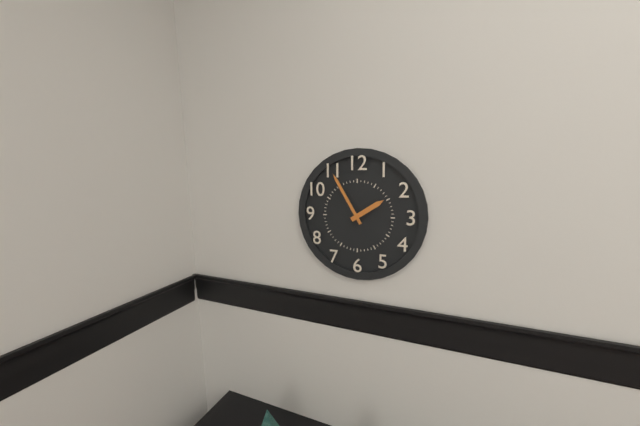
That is 1,55
